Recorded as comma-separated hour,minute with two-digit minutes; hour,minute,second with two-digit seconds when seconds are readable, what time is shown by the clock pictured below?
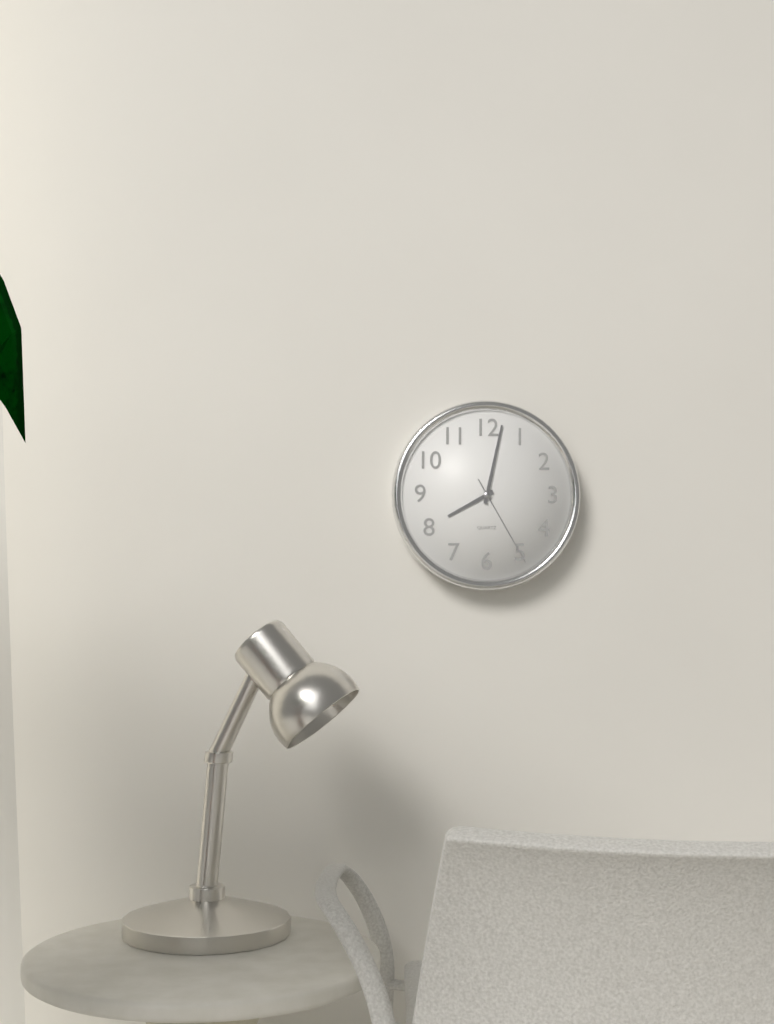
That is 8,02,25
